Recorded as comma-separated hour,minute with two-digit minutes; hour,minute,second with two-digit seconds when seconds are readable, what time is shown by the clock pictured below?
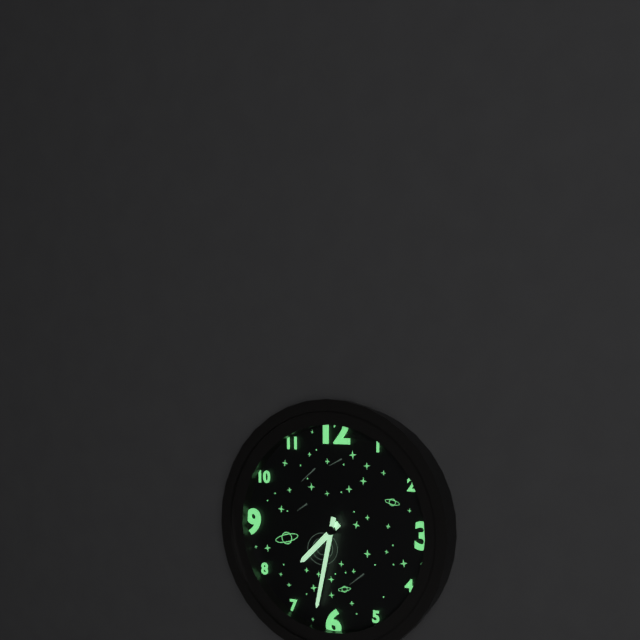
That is 7,32
